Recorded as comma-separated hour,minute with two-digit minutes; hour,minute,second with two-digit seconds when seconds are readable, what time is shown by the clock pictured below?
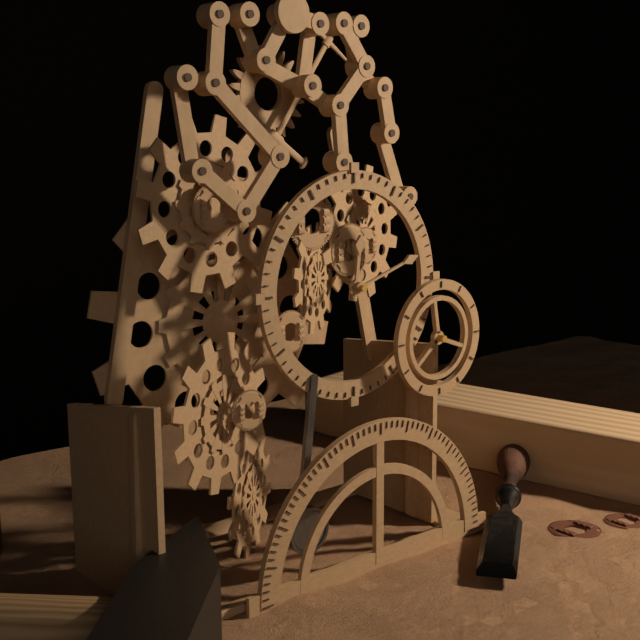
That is 12,12
